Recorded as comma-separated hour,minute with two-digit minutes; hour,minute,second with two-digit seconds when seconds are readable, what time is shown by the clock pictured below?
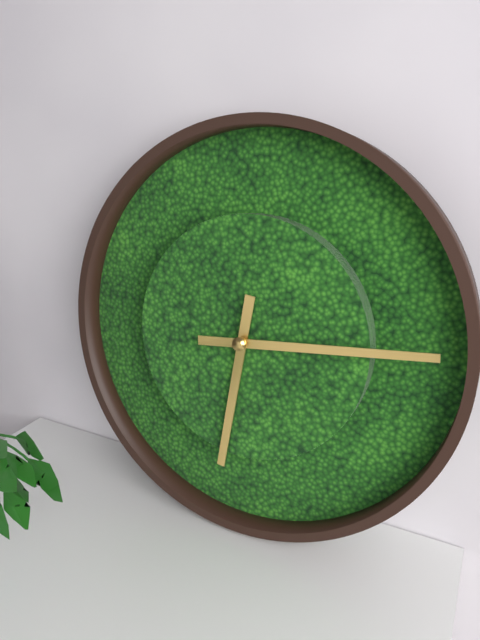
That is 6,14
